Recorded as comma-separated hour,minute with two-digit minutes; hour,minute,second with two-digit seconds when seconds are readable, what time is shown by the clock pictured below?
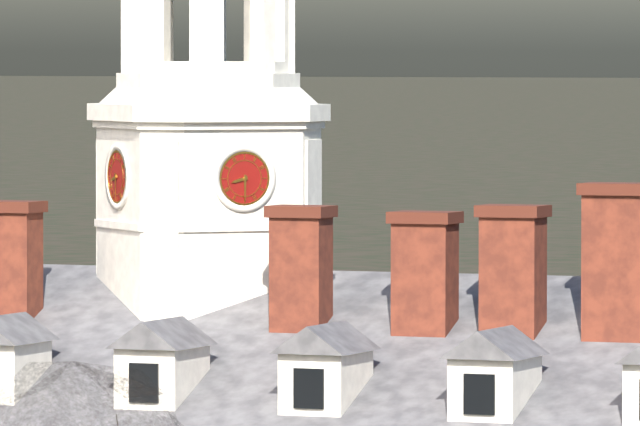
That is 8,30
